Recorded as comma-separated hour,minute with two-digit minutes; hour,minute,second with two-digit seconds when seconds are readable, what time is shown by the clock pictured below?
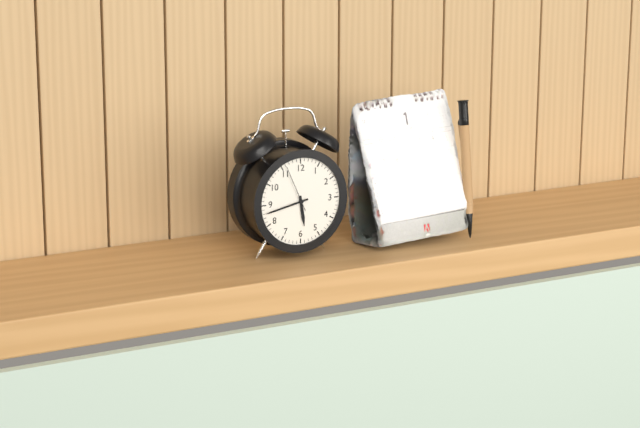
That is 5,43
